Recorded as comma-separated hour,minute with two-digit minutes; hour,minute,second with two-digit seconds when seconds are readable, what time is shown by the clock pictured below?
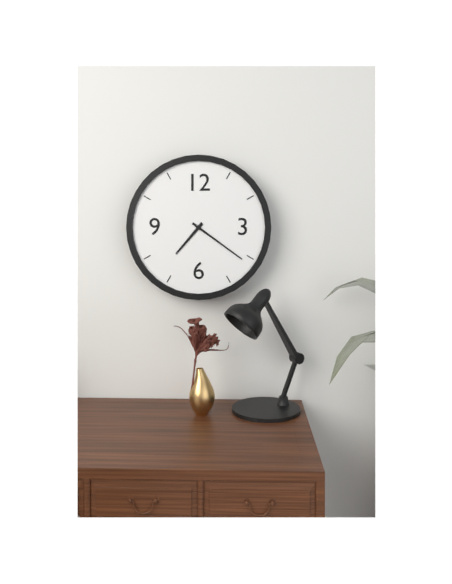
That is 7,21
